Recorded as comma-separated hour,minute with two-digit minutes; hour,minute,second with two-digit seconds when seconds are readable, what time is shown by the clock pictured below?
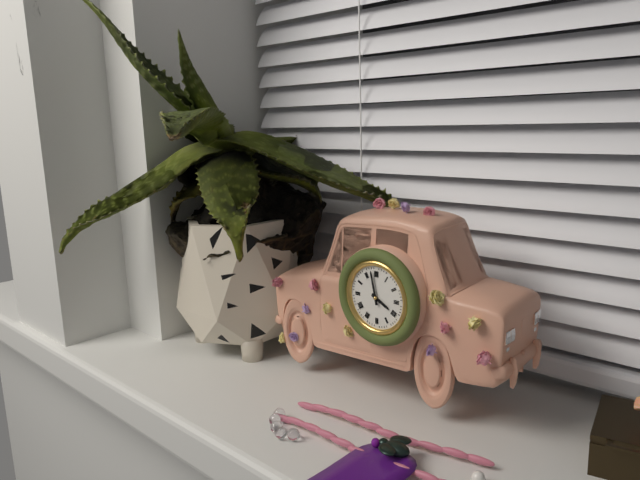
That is 3,58
